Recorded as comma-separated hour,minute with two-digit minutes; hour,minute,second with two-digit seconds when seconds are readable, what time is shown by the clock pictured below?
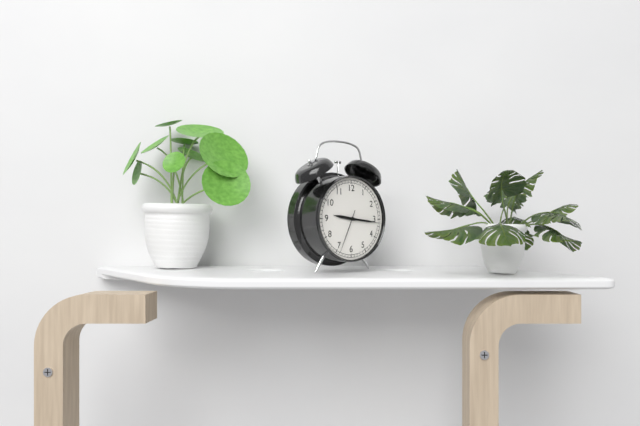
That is 9,16
